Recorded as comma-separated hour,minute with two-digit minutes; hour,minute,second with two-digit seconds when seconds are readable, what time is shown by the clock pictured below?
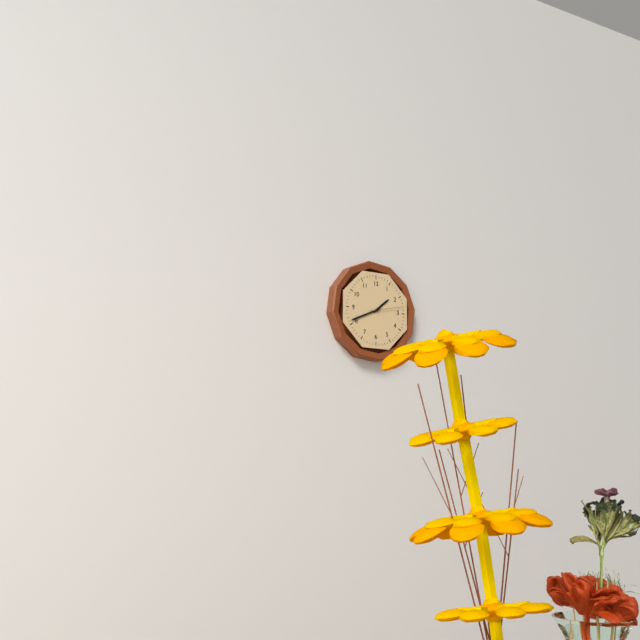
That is 1,41
